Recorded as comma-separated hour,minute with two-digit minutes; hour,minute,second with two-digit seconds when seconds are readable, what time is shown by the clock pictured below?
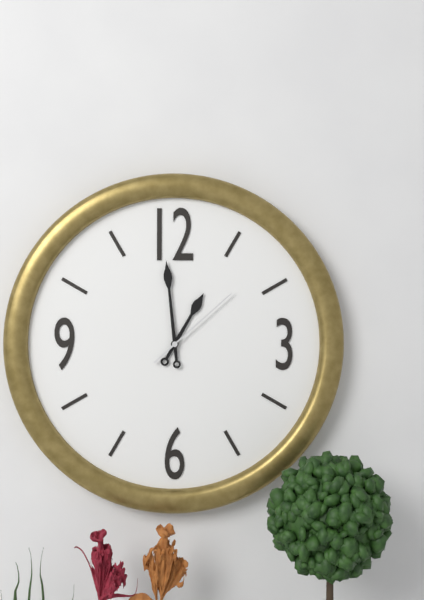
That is 12,59,08
